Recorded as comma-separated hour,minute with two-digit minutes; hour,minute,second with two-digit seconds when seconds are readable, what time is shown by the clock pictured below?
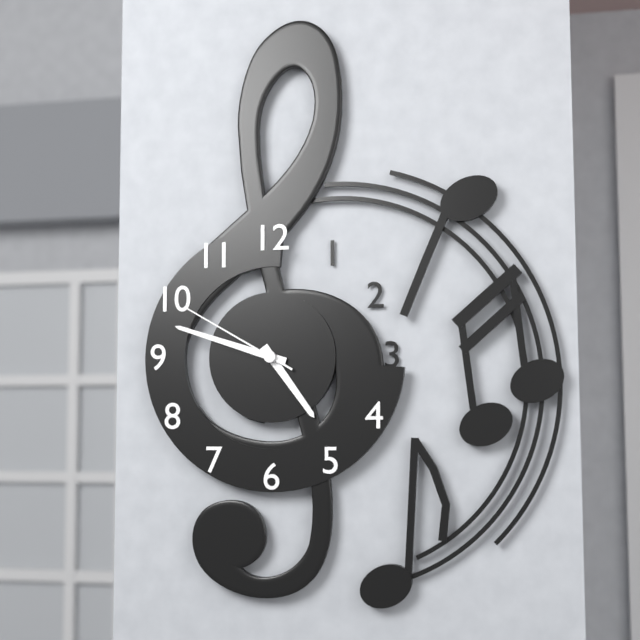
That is 4,48,50
